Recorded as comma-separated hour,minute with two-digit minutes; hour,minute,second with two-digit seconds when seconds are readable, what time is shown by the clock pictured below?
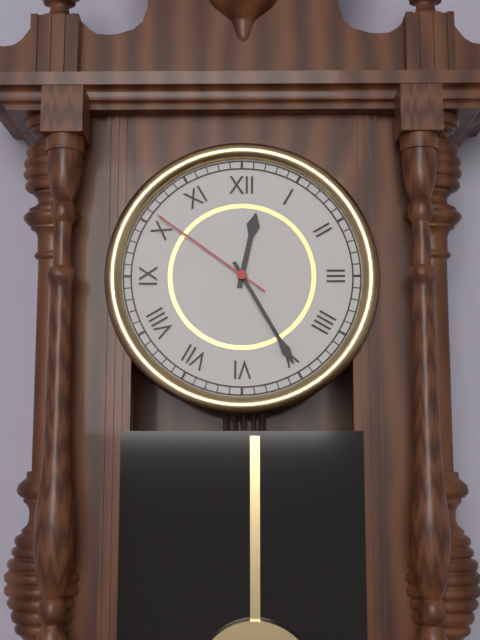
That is 12,25,51
